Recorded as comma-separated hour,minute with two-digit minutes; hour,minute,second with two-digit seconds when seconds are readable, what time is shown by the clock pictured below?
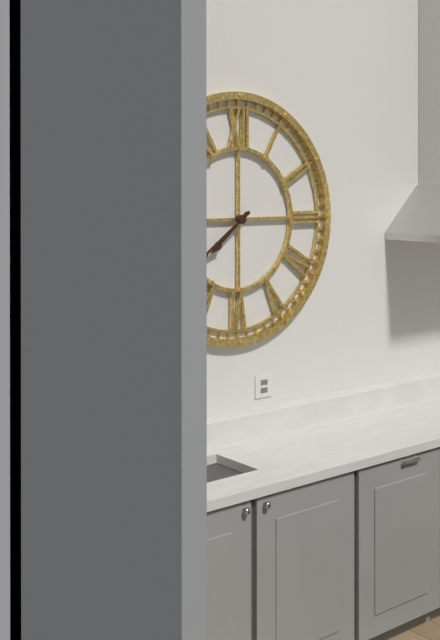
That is 7,39
